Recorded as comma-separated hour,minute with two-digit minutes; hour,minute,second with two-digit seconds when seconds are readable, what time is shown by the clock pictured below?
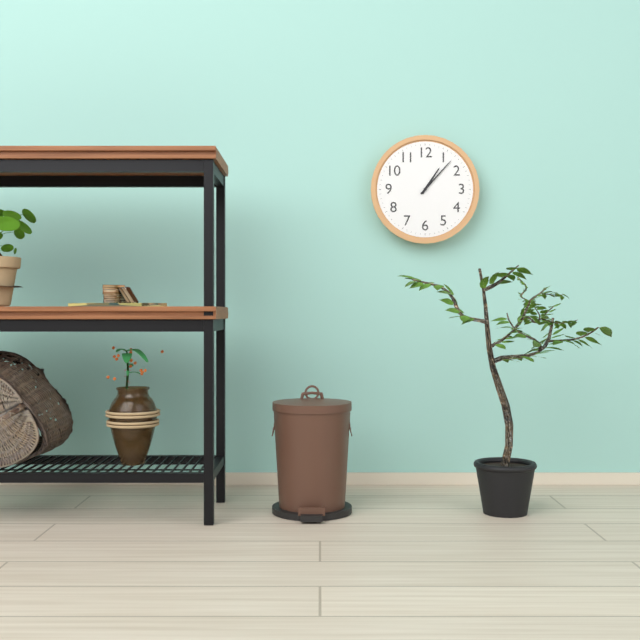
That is 1,07
